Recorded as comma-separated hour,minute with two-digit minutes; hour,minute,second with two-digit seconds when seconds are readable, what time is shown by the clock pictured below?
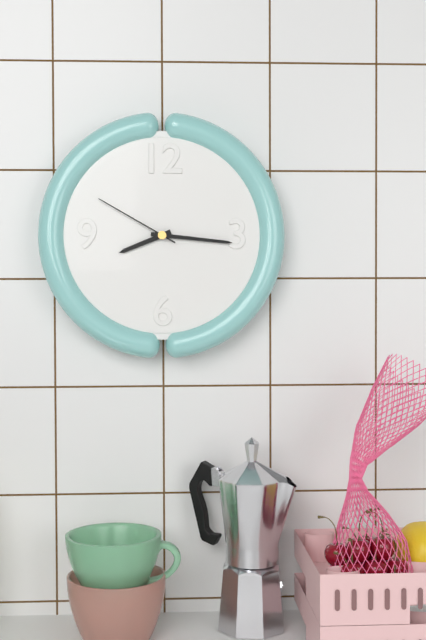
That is 8,16,50
